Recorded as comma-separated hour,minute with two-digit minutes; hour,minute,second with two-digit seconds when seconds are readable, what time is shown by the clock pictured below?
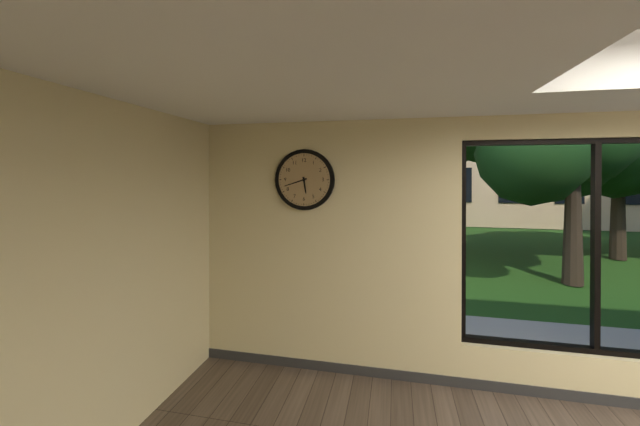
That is 5,42
